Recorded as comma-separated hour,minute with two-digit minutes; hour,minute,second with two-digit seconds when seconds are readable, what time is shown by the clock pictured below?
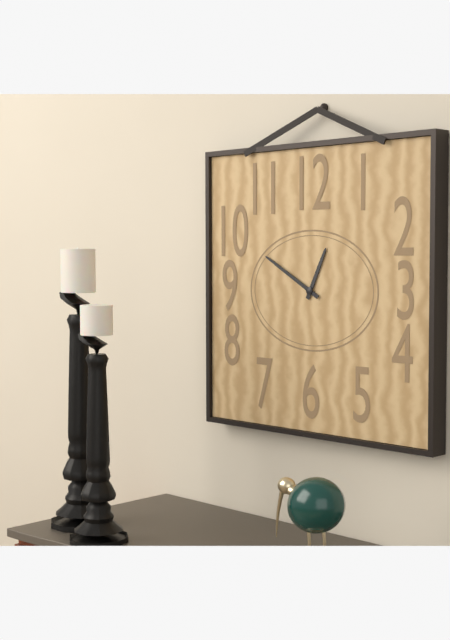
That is 12,50
